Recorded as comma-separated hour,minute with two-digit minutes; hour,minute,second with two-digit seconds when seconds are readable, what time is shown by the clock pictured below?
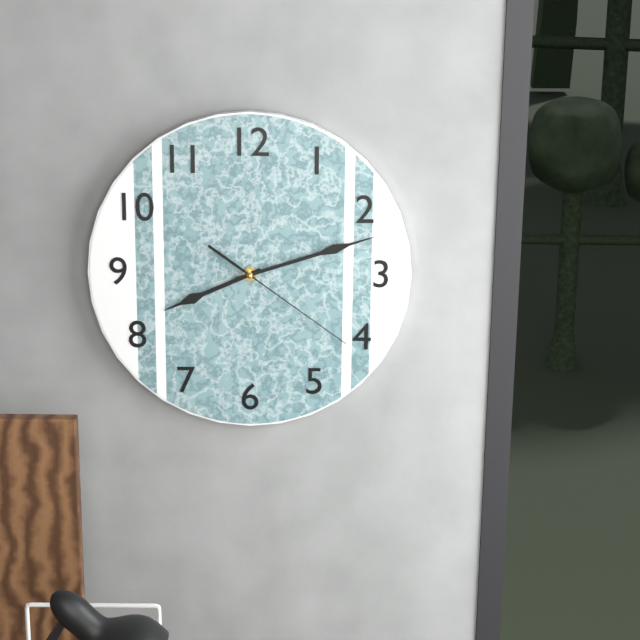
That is 8,12,21
